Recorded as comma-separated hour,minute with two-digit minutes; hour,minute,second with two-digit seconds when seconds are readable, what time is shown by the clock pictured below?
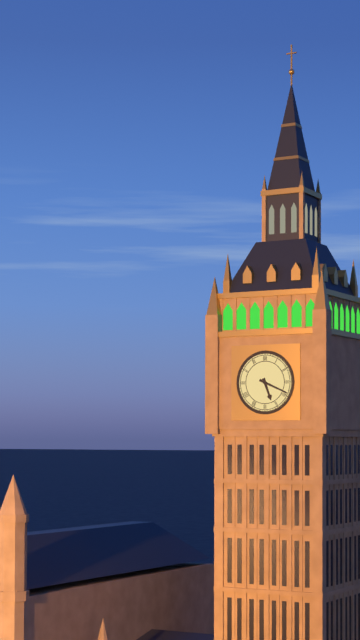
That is 5,19
